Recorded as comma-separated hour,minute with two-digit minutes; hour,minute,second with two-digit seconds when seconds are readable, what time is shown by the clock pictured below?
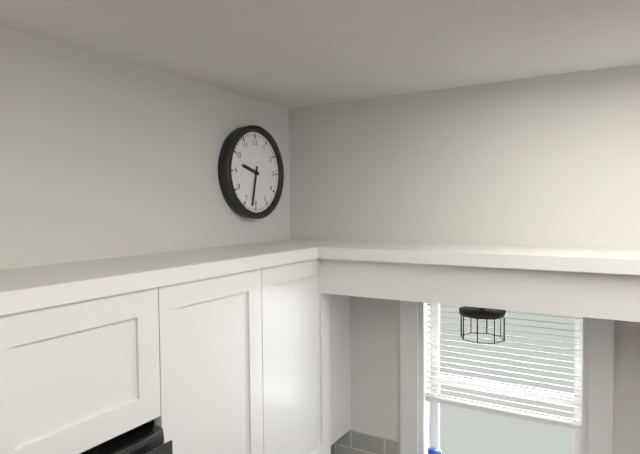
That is 9,32
